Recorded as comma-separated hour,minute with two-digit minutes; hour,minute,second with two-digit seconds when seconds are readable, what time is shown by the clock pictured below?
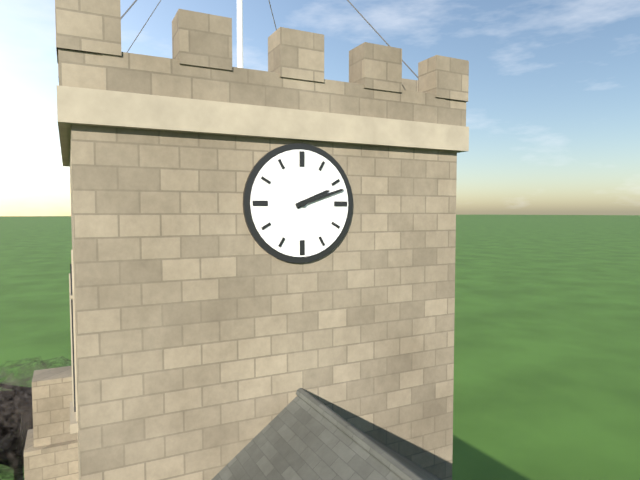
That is 2,12
